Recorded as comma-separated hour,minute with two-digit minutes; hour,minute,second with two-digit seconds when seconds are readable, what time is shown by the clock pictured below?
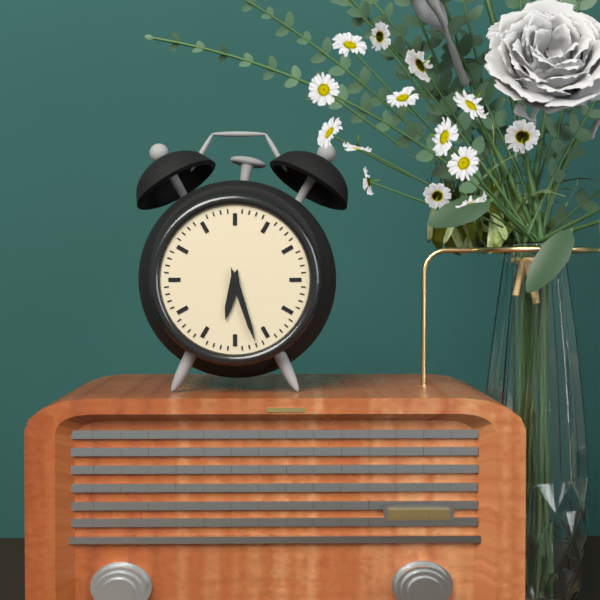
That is 6,27
